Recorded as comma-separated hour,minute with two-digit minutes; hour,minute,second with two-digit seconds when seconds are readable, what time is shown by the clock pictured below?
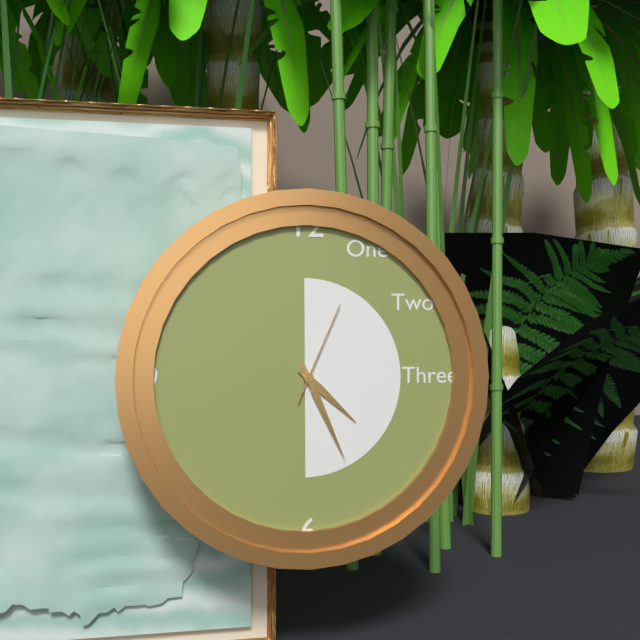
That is 4,26,04
